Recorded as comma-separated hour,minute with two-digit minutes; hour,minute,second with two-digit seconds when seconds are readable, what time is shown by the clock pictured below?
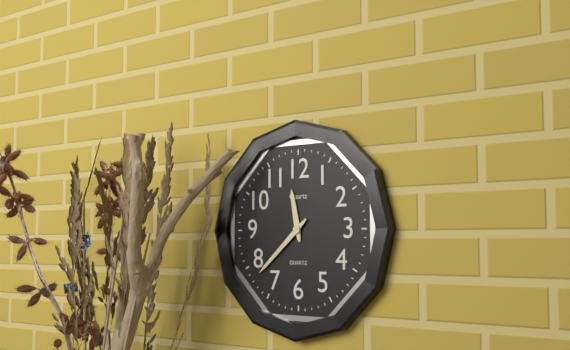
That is 11,38
